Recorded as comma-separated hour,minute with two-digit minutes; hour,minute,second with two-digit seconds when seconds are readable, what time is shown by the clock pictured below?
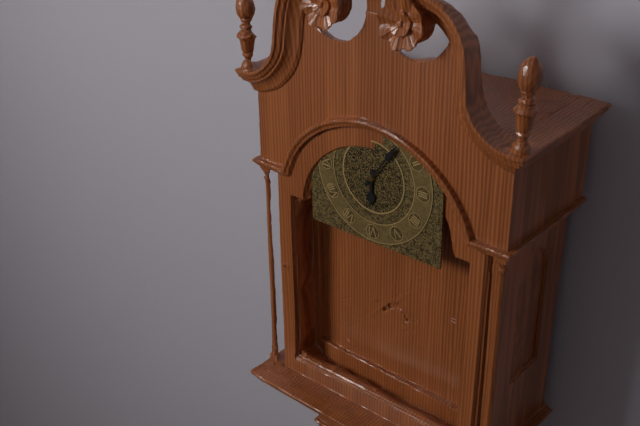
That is 6,06
